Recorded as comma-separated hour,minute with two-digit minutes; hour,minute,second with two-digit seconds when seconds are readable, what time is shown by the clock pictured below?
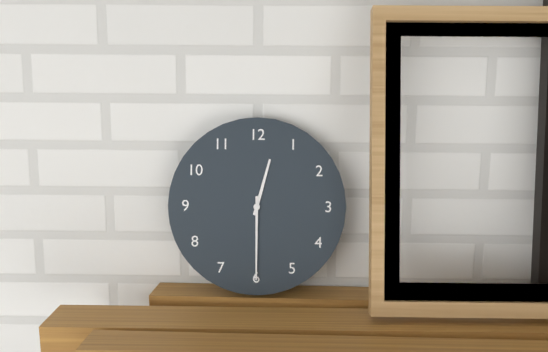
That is 12,30
